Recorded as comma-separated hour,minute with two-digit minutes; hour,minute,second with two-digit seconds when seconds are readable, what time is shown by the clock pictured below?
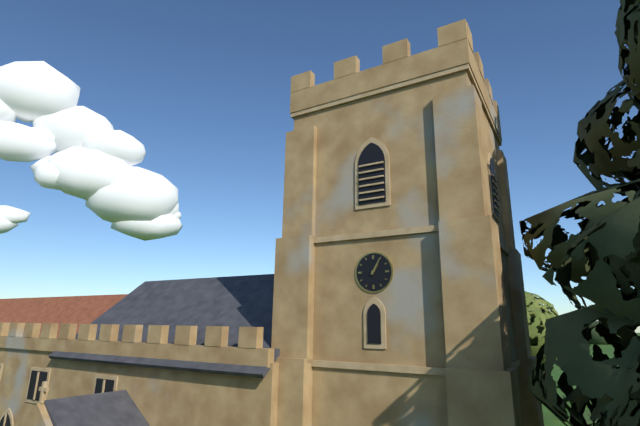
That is 1,05
